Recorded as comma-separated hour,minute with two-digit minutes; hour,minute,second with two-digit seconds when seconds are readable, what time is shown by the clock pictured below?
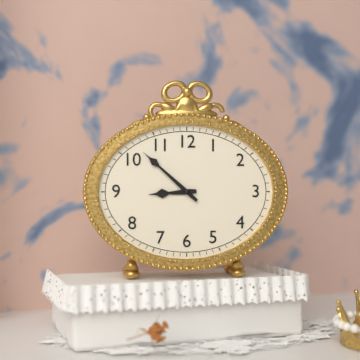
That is 8,52
